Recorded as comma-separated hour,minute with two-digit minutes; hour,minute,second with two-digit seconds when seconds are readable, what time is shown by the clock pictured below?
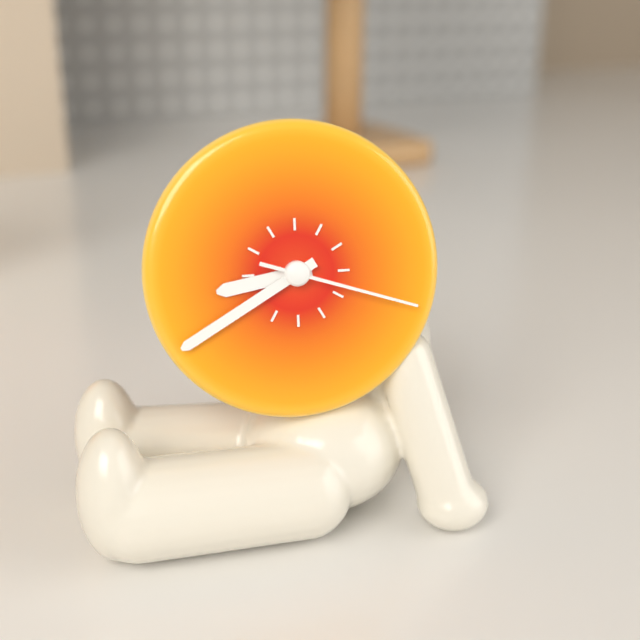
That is 8,40,18
